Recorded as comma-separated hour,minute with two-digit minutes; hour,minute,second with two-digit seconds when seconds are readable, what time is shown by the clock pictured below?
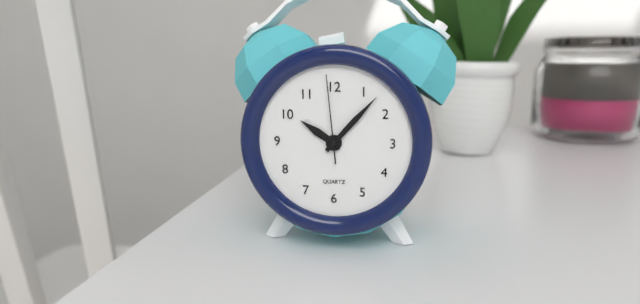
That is 10,07,59
